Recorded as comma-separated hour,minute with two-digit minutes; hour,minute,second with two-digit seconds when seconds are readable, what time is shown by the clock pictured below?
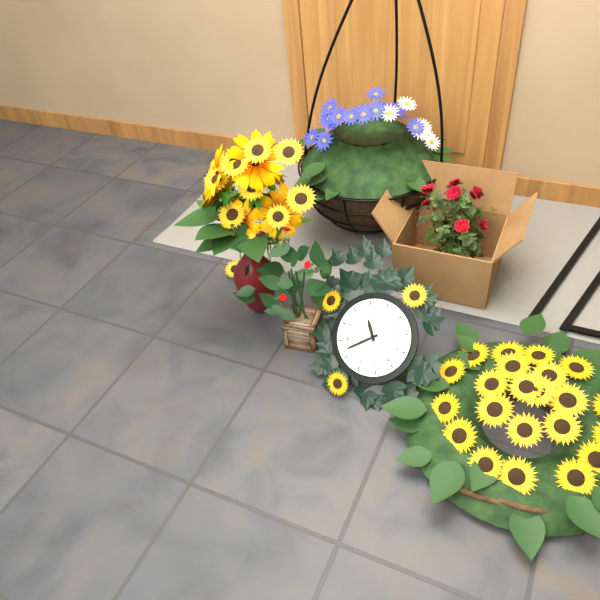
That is 10,37
